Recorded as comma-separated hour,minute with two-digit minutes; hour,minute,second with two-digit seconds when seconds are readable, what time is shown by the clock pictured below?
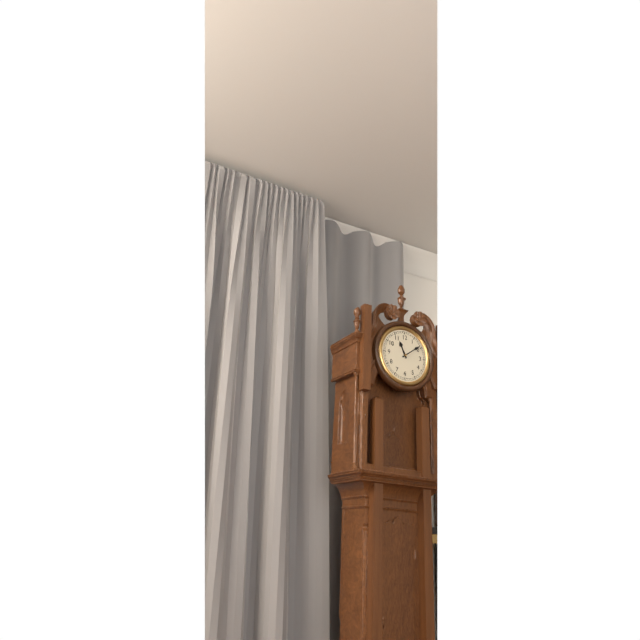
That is 11,09
